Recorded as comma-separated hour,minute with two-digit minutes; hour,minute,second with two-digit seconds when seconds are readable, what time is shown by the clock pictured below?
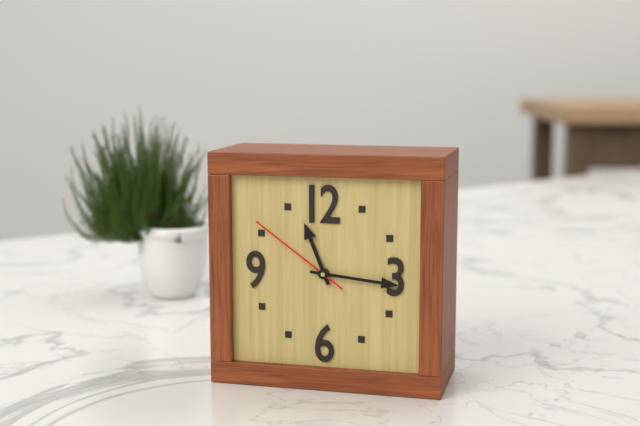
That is 11,16,51
